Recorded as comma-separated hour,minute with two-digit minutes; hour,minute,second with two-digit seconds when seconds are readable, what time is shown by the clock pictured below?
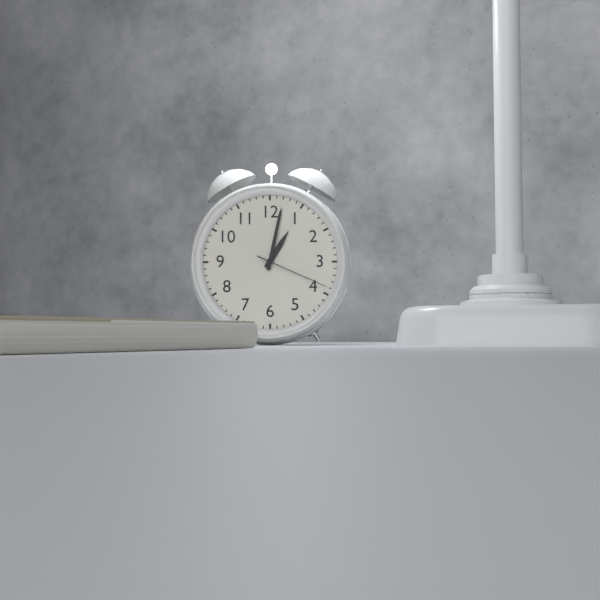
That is 1,02,19
